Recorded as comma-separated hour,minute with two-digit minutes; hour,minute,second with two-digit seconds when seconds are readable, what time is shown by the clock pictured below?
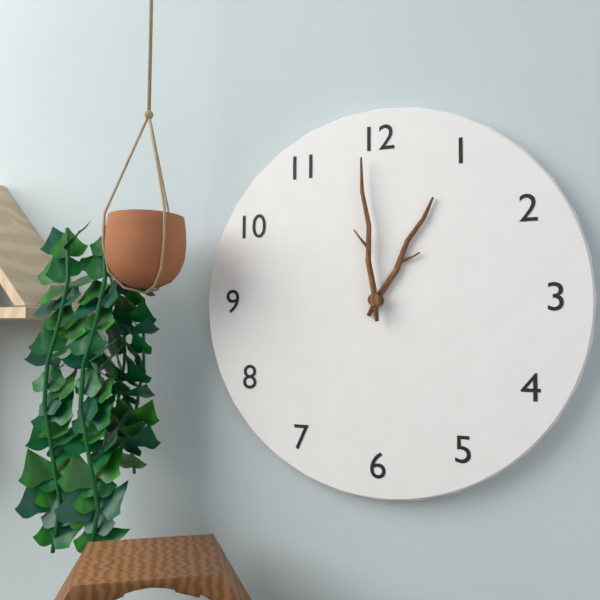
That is 12,59
